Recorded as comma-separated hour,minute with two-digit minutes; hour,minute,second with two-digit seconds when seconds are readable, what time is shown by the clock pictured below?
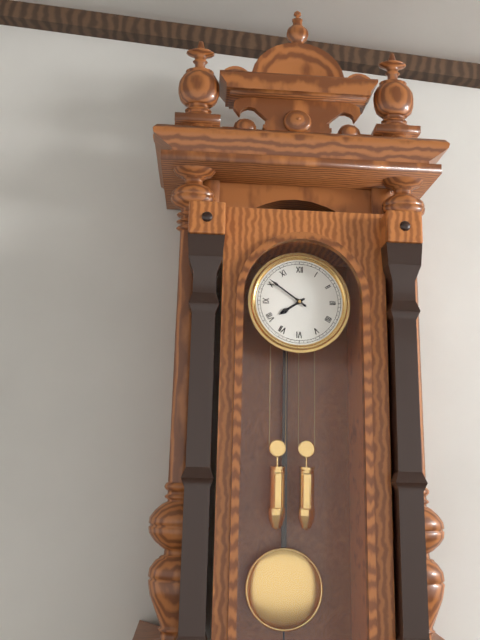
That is 7,51
